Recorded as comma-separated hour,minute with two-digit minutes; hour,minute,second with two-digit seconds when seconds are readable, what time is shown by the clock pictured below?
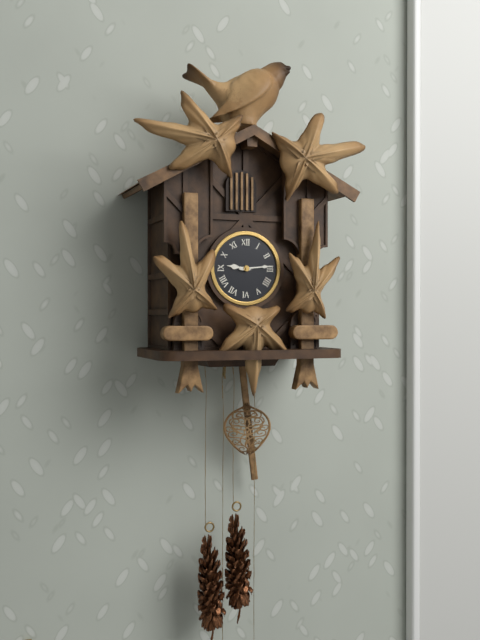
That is 9,14
